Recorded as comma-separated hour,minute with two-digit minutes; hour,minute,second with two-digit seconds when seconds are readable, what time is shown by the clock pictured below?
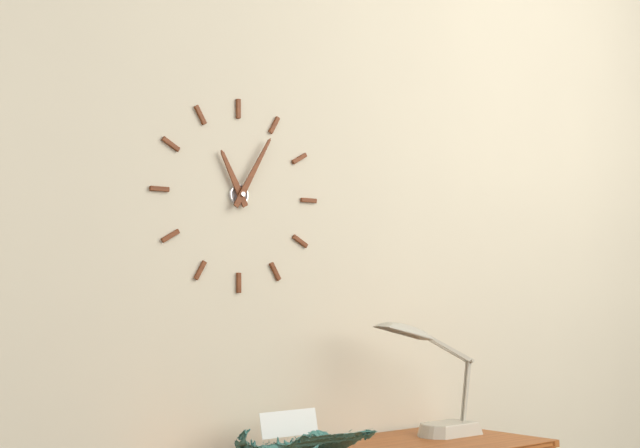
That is 11,05
